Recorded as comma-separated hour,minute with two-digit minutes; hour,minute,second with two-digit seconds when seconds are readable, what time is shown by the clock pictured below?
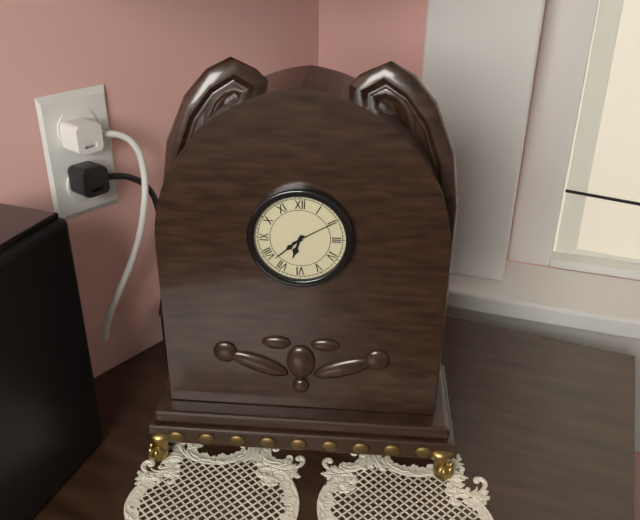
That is 6,38
